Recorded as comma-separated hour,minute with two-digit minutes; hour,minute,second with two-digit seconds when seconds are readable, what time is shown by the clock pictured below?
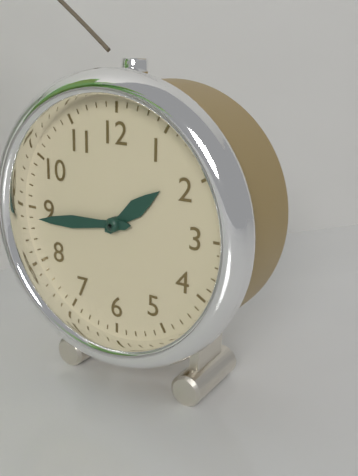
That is 1,44
